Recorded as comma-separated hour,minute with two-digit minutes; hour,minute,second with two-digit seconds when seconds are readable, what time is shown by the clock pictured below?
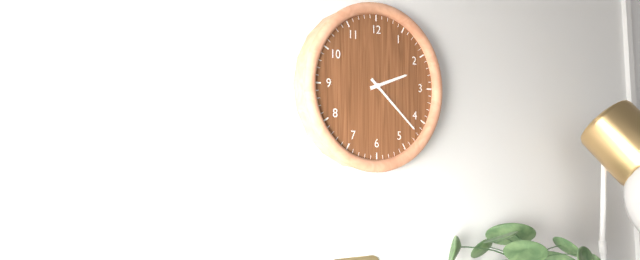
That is 2,22
